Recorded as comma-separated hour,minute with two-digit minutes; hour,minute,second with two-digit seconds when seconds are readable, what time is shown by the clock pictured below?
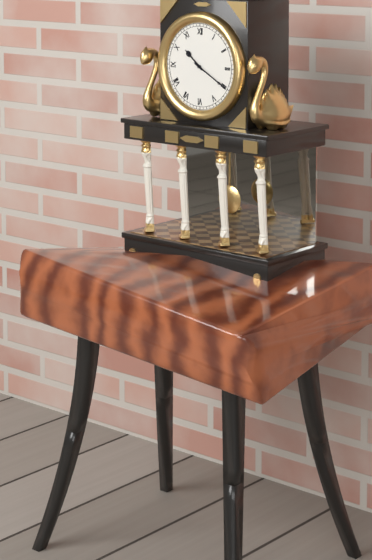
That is 10,20
